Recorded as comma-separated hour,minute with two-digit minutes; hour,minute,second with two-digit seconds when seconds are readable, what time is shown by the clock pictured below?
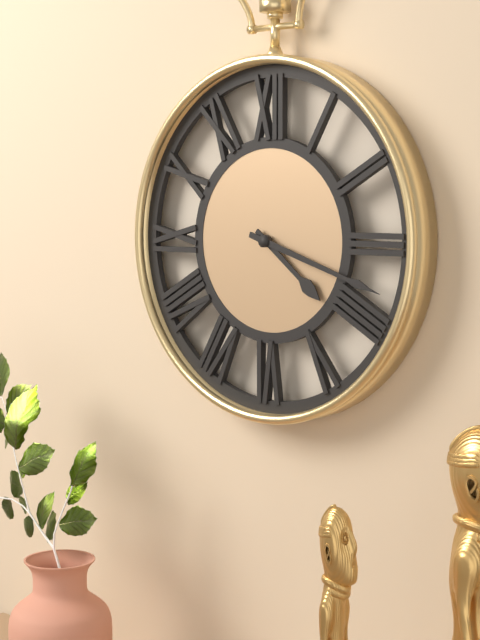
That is 4,18
